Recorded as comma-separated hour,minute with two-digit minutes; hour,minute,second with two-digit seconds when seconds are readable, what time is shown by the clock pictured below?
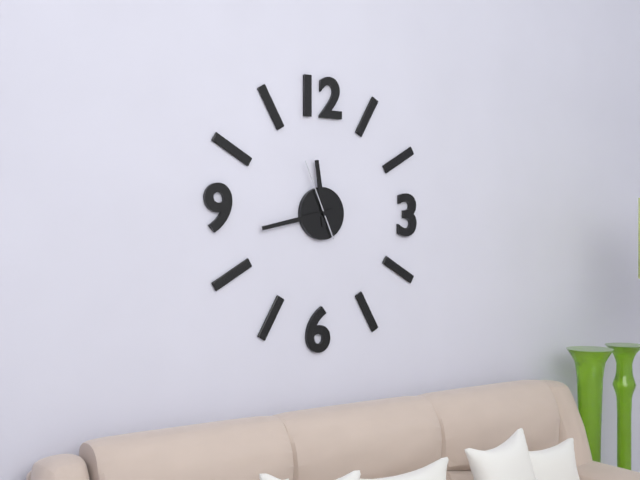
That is 11,43,56
